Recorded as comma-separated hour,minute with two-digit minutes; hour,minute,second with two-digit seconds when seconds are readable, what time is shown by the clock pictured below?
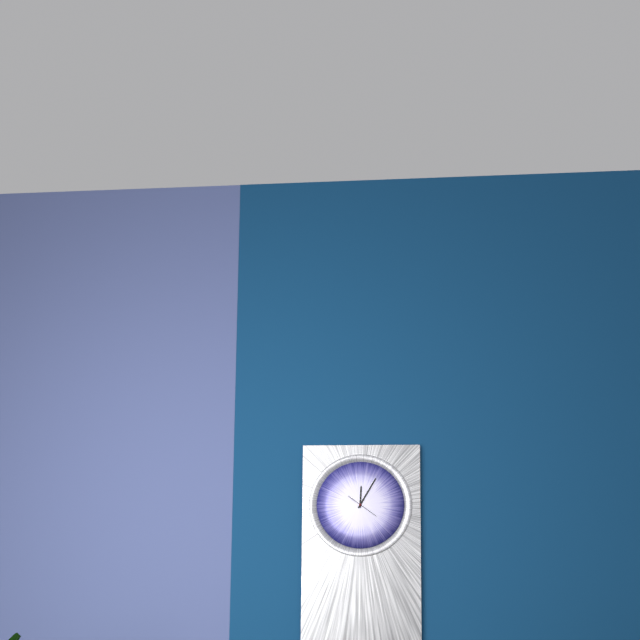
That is 12,05
